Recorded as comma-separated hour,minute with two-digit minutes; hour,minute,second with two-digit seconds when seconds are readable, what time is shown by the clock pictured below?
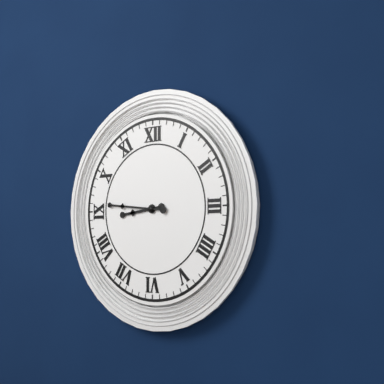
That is 8,46
